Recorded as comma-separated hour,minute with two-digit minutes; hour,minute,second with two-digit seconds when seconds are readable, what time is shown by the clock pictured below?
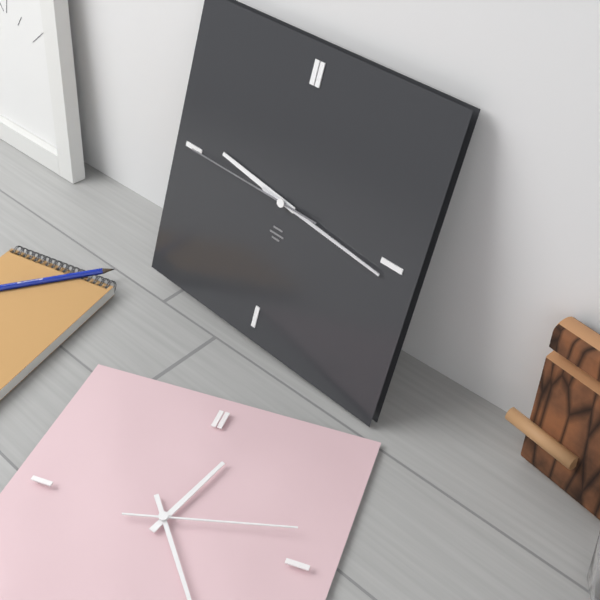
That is 9,16,45
